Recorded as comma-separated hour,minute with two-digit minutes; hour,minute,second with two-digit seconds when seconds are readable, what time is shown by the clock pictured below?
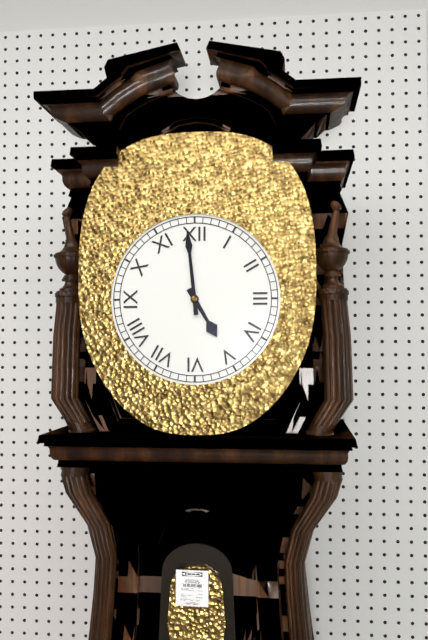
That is 4,59
